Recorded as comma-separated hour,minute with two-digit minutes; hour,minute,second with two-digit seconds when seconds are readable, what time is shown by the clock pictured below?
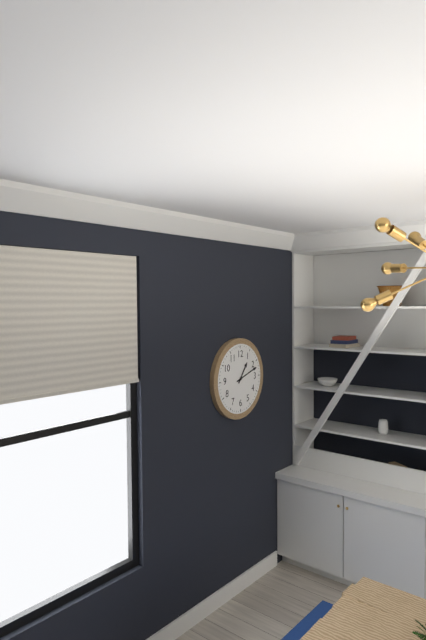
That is 1,12
